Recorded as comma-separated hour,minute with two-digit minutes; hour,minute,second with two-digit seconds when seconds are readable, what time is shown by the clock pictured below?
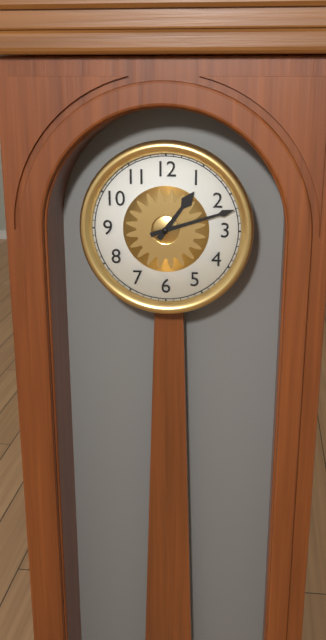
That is 1,12
